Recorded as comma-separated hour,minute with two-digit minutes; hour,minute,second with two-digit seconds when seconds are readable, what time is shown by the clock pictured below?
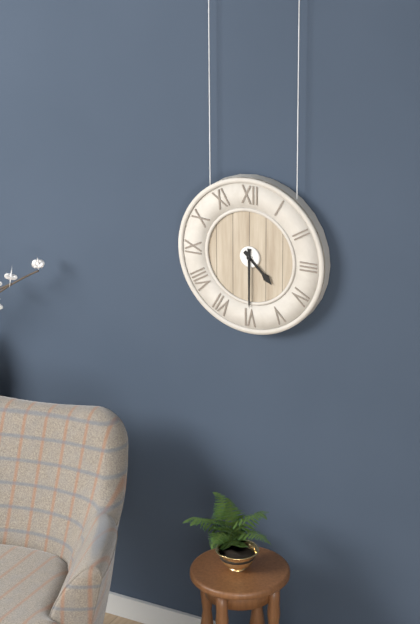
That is 4,30
